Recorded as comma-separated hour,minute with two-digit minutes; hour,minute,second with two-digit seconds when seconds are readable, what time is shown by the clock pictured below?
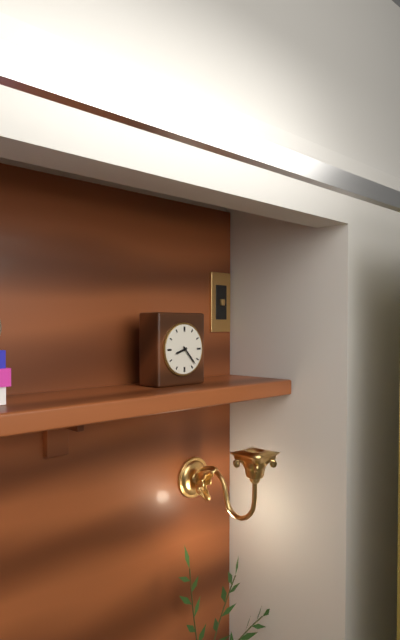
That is 8,23
